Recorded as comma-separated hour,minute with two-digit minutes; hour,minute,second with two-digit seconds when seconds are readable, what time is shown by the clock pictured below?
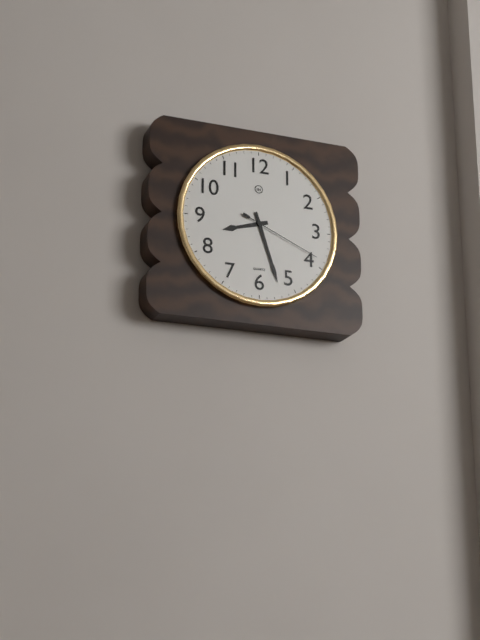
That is 8,27,19
